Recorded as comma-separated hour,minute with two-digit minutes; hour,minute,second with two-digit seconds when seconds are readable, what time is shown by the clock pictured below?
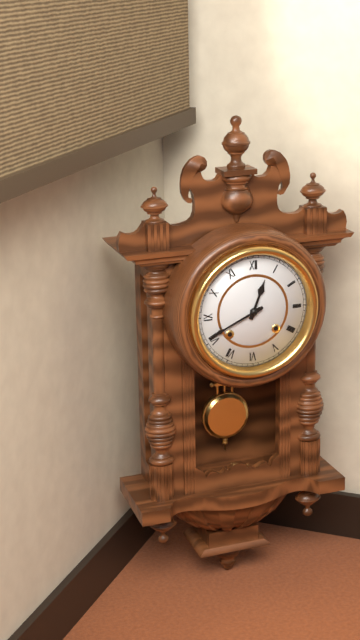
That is 12,41
